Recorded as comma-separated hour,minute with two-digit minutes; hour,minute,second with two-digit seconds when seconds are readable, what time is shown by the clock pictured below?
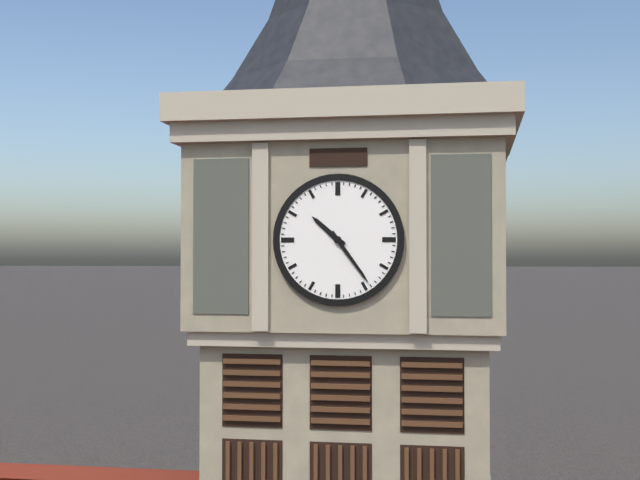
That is 10,24
